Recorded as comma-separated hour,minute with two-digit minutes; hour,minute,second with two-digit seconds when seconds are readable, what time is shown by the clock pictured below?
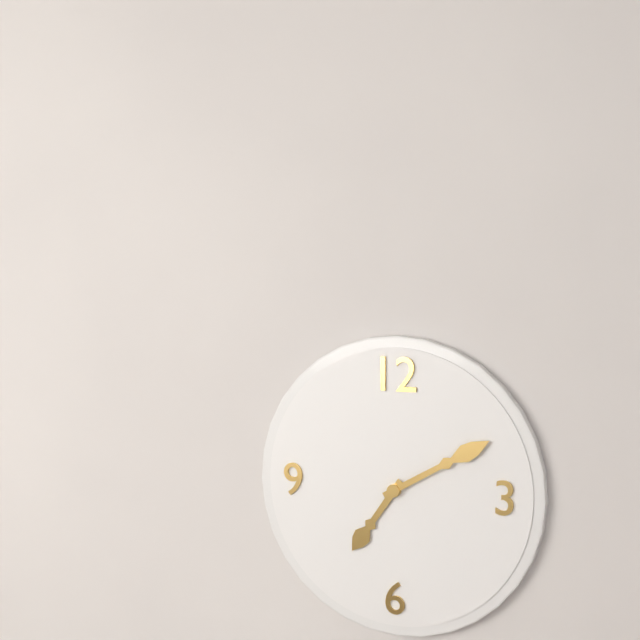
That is 7,10
